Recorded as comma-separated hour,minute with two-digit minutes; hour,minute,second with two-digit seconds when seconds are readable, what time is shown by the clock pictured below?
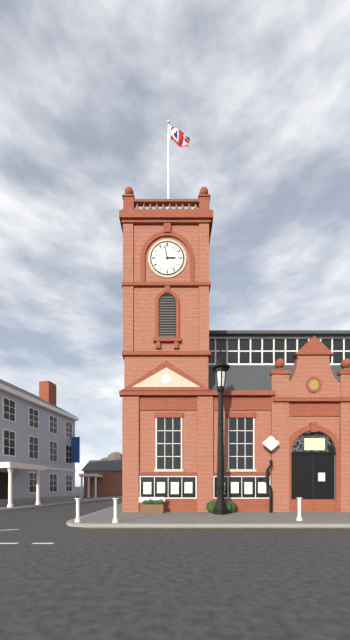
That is 2,58
